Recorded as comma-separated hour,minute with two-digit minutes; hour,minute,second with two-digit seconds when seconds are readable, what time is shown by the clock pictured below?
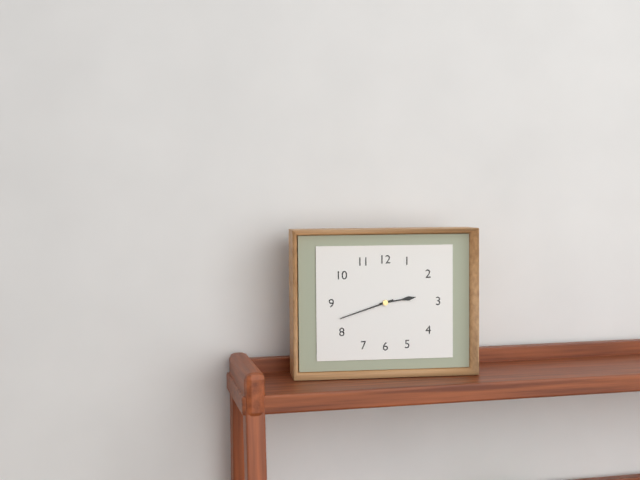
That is 2,42
